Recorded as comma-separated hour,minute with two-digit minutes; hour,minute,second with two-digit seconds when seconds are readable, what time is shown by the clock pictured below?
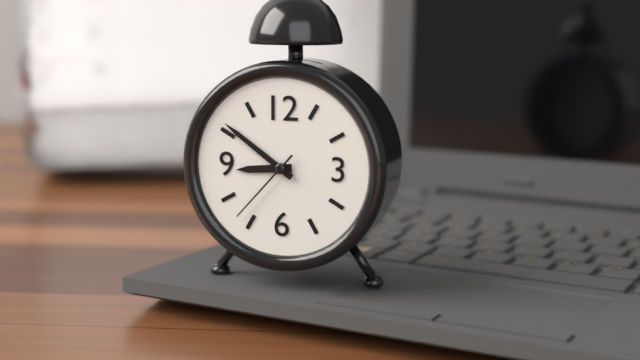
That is 8,51,37
